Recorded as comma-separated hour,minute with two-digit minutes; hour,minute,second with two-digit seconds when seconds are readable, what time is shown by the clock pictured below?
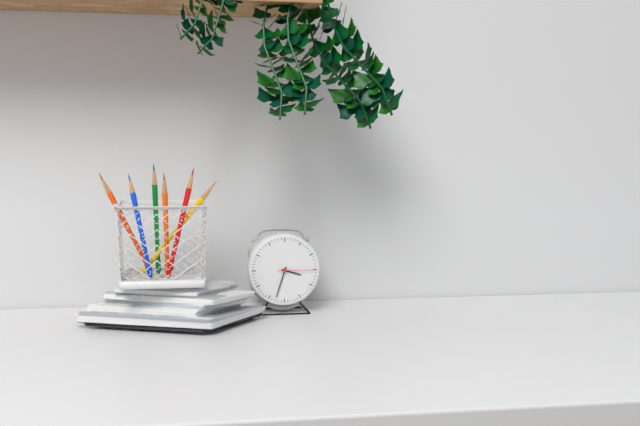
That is 3,33
